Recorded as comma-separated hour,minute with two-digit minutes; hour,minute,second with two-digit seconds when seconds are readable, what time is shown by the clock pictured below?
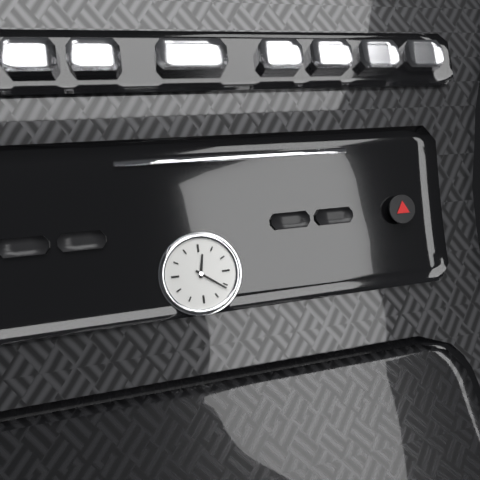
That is 12,21
